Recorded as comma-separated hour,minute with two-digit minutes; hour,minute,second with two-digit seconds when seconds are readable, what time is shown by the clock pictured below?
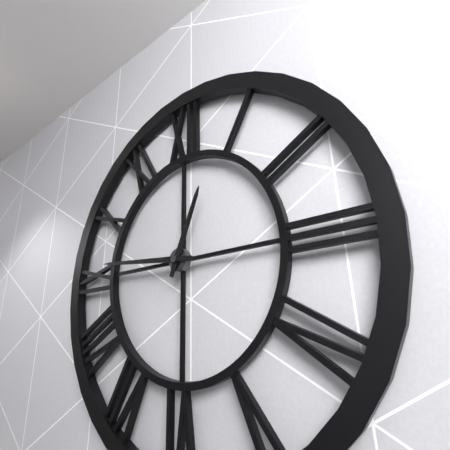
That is 12,46
